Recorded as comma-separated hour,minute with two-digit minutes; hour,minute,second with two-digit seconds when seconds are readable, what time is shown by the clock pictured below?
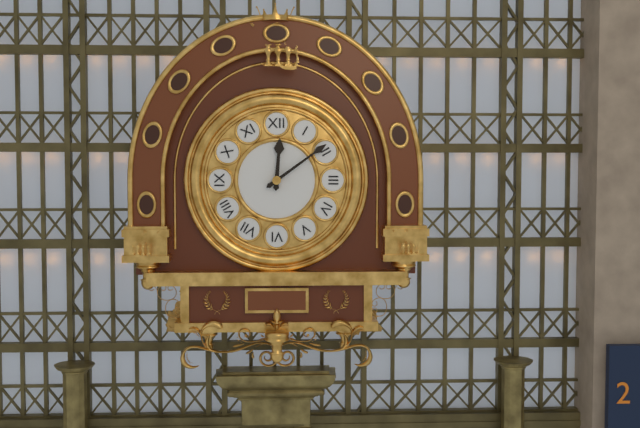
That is 12,09
